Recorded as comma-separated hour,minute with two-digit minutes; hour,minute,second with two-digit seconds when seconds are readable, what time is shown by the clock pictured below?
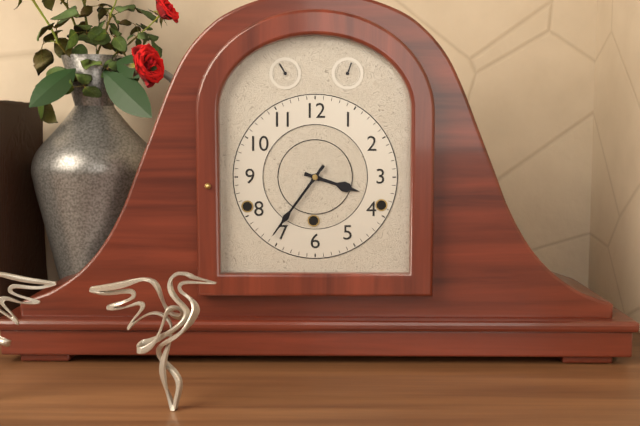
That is 3,36
